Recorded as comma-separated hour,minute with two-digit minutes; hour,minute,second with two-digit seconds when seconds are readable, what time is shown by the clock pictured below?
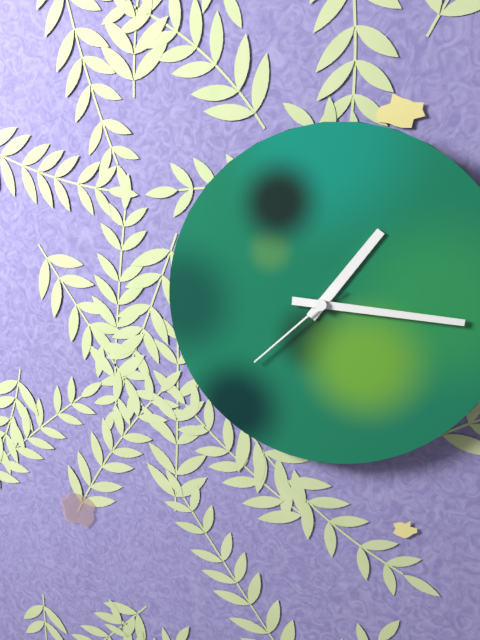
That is 1,16,38
